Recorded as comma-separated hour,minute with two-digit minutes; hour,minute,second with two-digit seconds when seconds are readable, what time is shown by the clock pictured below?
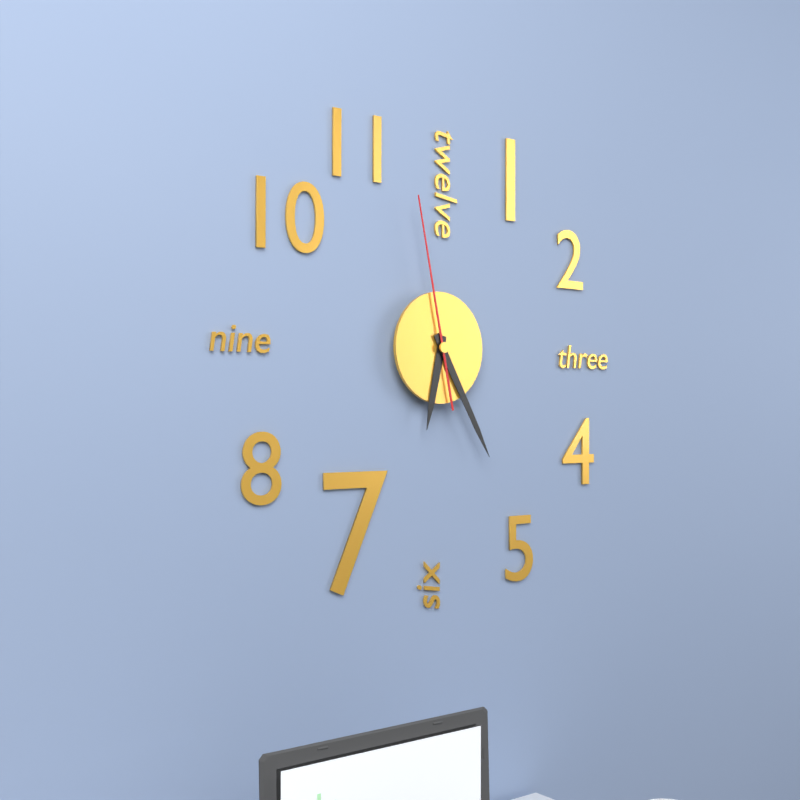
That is 6,25,58
